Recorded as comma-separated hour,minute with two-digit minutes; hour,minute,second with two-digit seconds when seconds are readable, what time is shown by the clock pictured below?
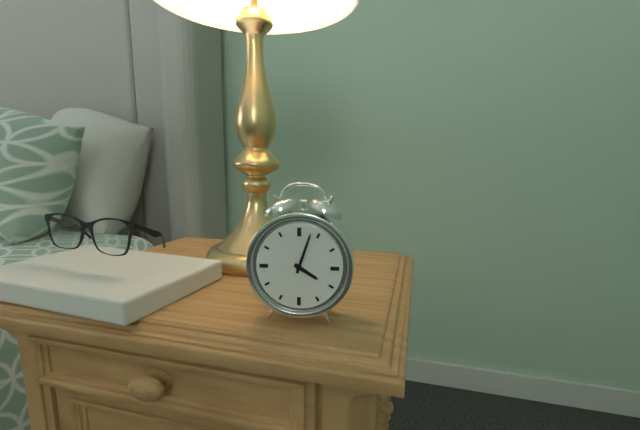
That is 4,03
